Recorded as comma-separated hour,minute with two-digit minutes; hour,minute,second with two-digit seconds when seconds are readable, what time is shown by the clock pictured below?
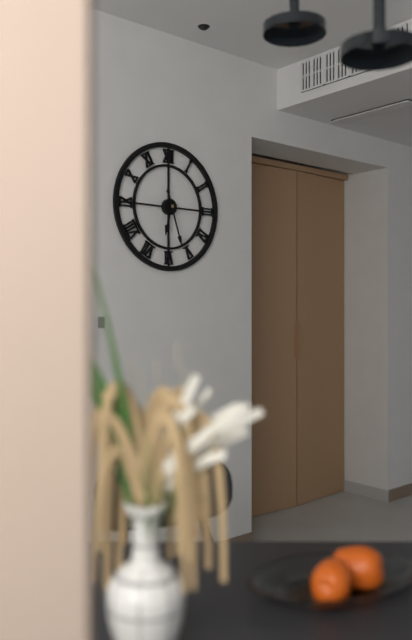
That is 6,27
